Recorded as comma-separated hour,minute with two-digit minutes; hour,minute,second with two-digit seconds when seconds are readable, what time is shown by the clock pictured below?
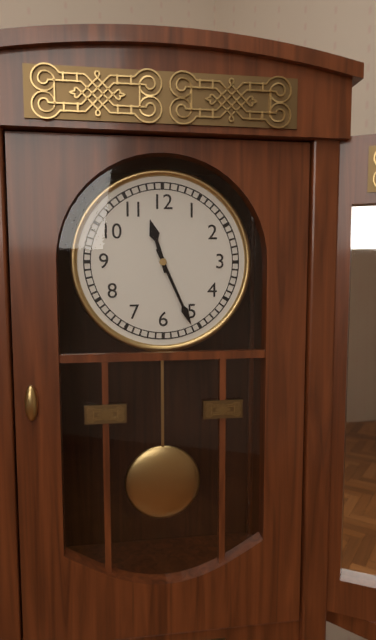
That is 11,26
